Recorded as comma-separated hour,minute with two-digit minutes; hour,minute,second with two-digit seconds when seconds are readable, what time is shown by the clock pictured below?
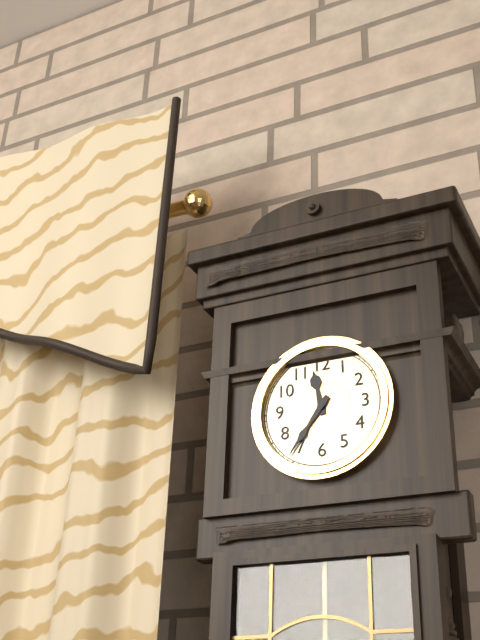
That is 11,36
